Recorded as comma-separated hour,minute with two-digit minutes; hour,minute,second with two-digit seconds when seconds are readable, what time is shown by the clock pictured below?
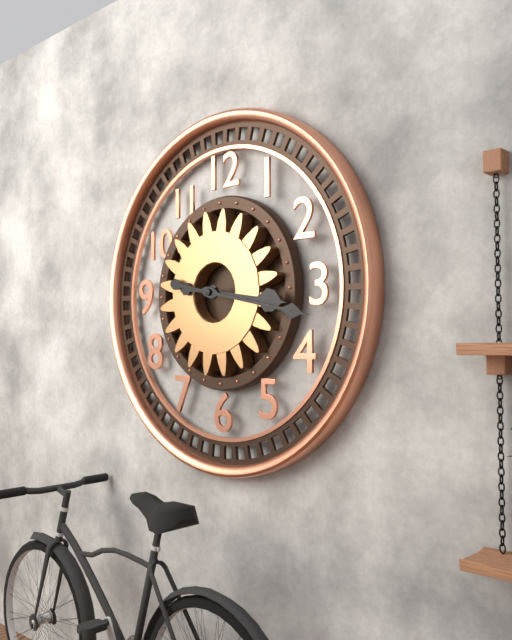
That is 3,17
